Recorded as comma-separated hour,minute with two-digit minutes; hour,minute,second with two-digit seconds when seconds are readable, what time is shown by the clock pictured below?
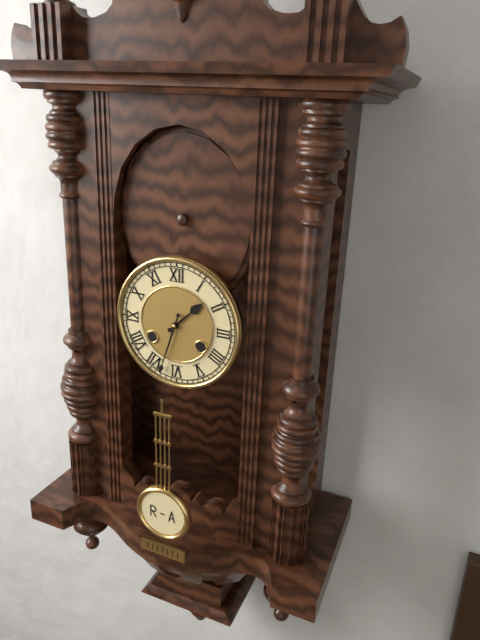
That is 1,33
